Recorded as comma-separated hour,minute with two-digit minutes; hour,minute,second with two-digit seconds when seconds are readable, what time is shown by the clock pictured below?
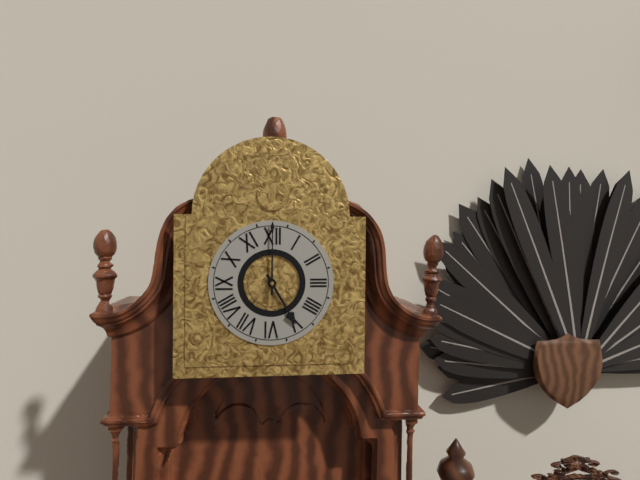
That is 5,00
